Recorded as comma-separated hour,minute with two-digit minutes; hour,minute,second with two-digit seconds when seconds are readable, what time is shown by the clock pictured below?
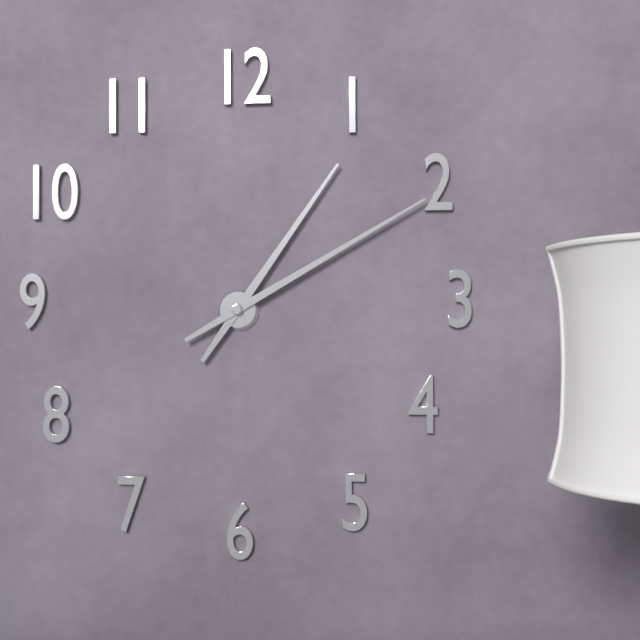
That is 1,10
